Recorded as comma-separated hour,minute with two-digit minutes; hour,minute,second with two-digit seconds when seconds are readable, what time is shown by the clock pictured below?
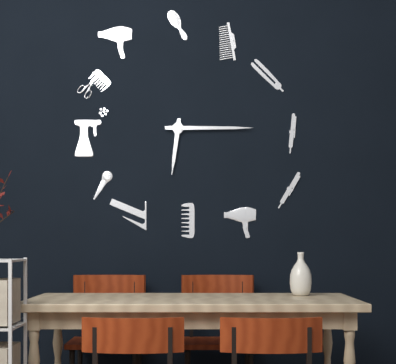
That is 6,15
